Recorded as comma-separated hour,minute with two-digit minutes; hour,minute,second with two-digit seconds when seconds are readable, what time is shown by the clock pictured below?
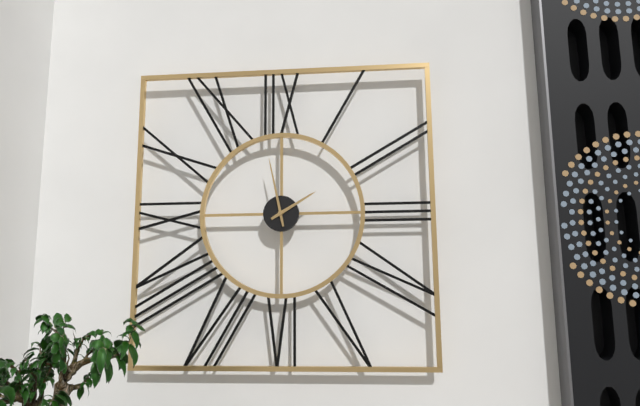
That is 1,58
